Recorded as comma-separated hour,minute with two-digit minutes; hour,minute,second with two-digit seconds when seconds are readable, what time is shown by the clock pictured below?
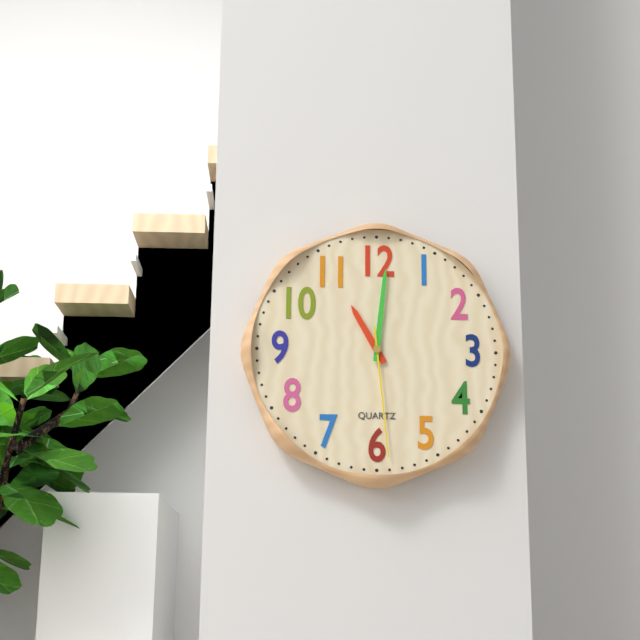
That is 11,01,29
